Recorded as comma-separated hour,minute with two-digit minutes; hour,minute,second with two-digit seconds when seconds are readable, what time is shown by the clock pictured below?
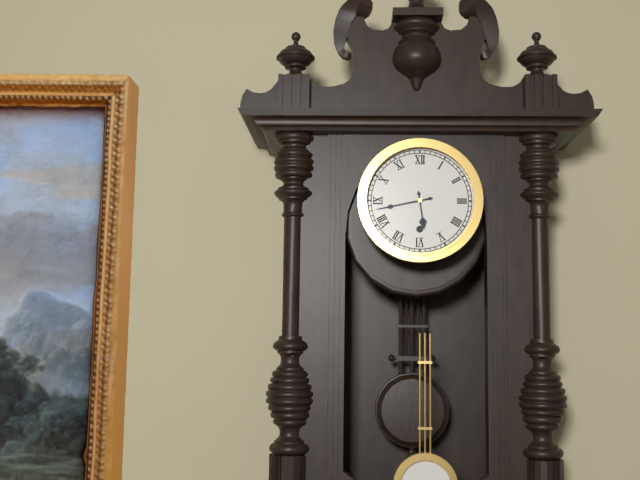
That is 5,43
